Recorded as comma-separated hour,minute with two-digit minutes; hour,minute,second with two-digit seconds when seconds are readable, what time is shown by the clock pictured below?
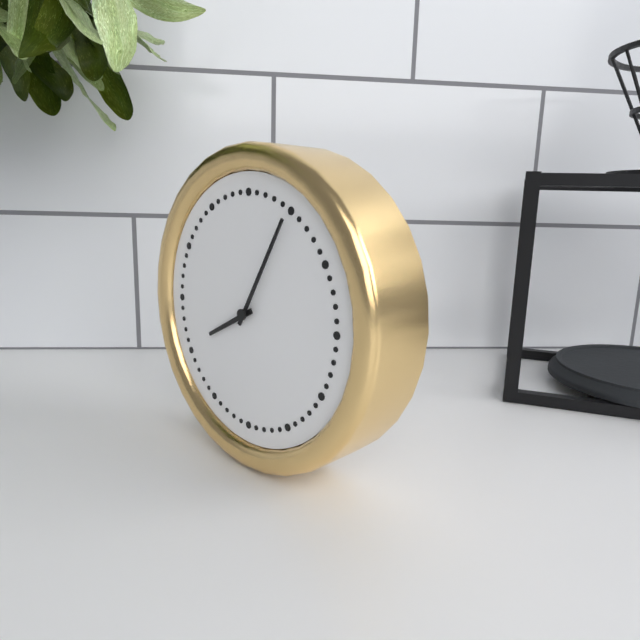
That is 8,05
